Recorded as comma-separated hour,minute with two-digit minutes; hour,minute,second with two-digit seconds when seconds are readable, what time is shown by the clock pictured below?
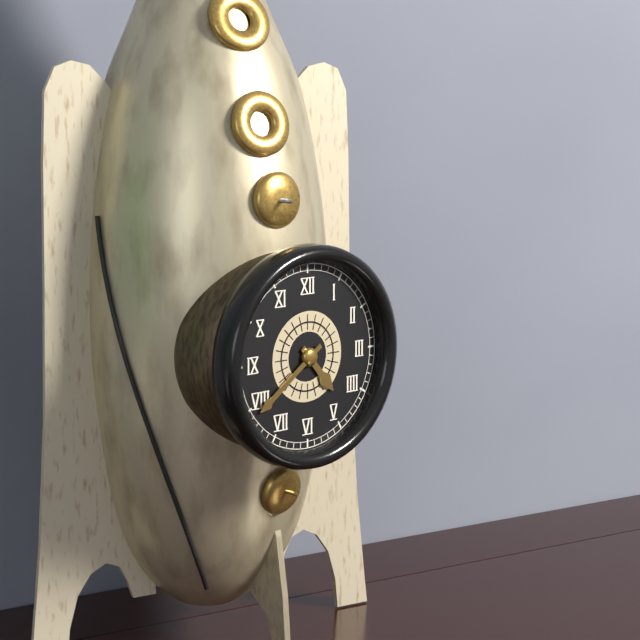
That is 4,39
